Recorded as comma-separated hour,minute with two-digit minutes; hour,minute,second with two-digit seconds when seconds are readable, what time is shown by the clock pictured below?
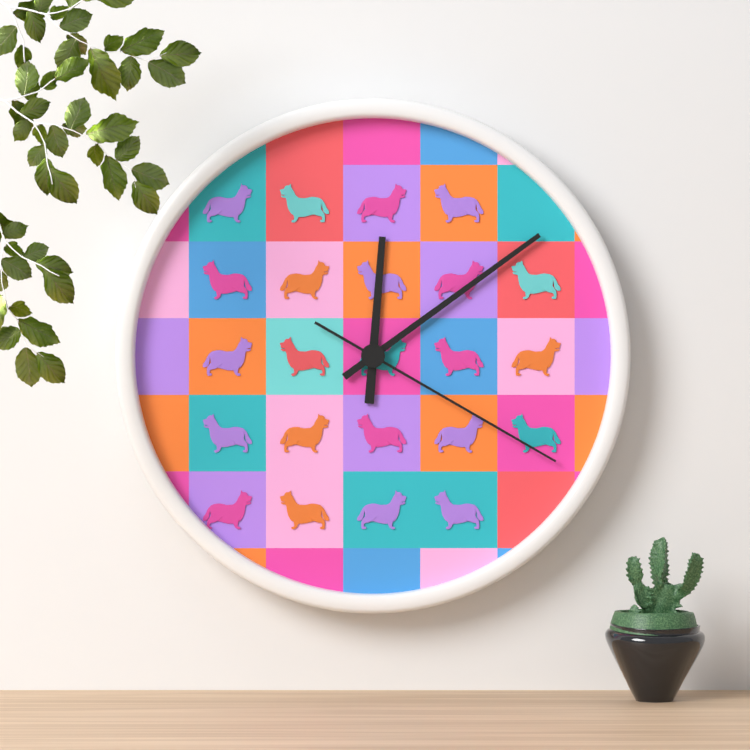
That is 12,09,20
